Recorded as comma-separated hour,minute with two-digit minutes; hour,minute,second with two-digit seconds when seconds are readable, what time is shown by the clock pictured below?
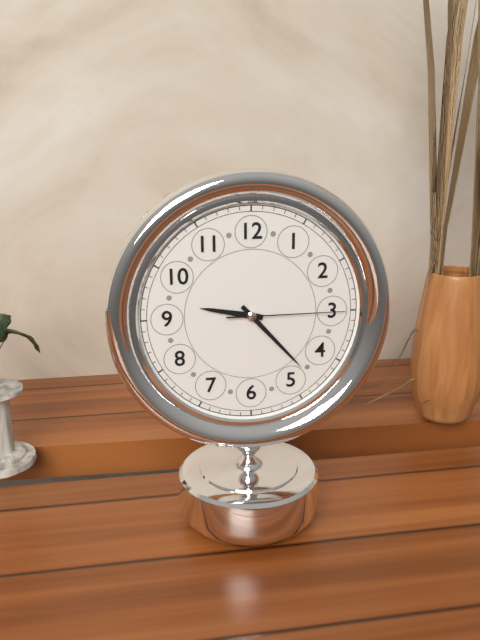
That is 9,23,15
